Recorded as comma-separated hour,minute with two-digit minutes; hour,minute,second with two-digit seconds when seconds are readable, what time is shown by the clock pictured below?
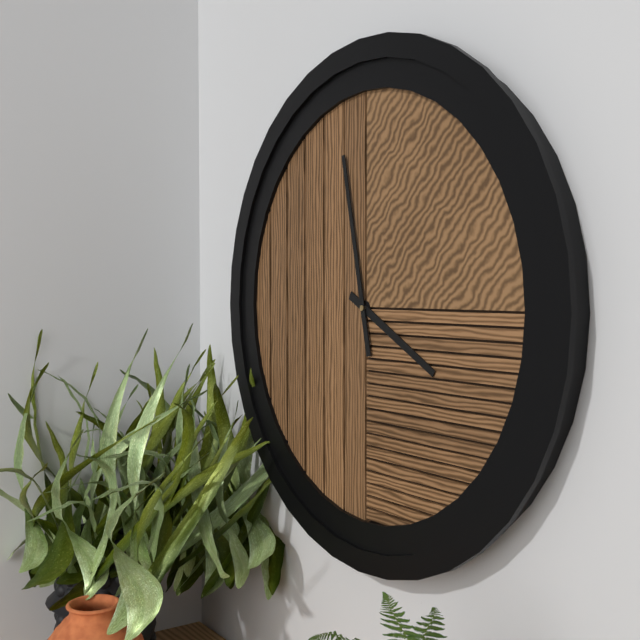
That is 3,58
